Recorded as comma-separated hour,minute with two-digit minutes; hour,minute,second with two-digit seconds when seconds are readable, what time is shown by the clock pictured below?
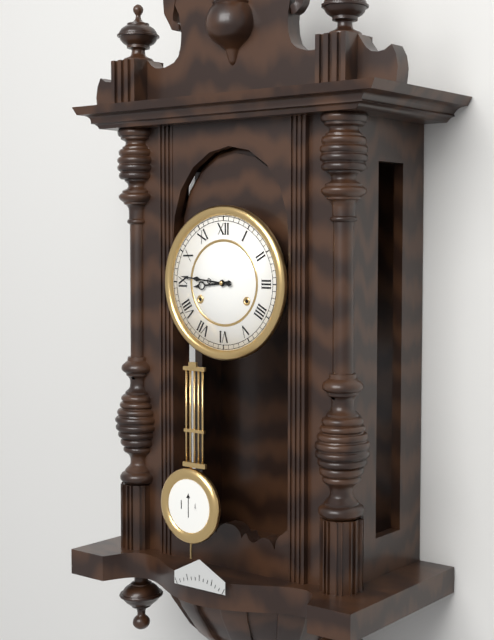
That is 8,46
